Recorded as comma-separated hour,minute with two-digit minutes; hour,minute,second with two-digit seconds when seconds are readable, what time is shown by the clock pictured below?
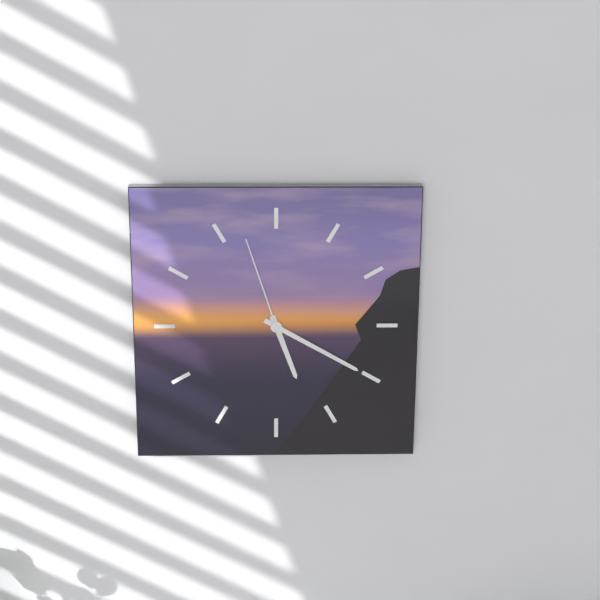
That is 5,20,57
